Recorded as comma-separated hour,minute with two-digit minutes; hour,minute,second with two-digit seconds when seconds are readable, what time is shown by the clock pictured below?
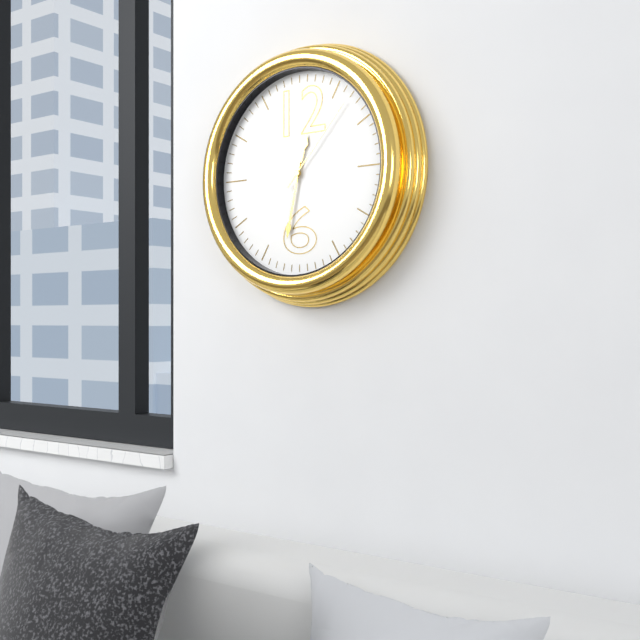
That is 12,32,07
